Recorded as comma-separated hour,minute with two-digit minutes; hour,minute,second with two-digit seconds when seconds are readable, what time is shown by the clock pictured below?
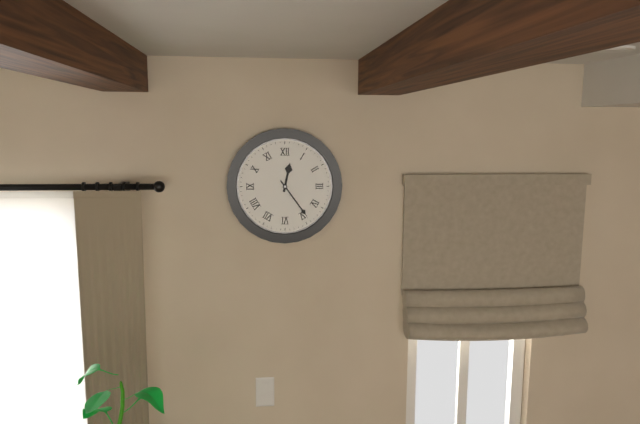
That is 12,24
